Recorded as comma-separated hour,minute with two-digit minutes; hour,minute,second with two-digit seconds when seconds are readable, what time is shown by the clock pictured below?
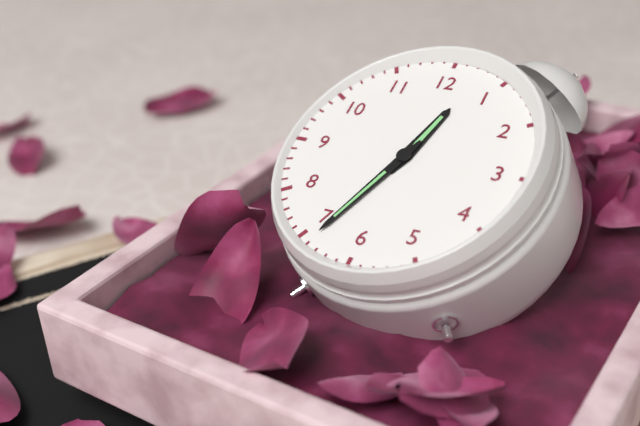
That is 12,34
